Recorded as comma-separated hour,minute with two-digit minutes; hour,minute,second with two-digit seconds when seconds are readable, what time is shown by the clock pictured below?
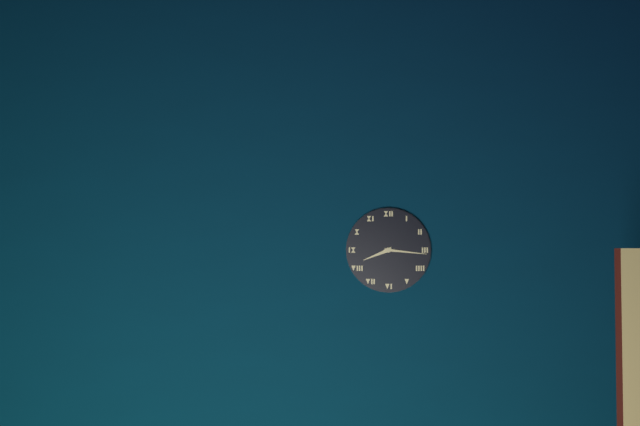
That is 8,16
